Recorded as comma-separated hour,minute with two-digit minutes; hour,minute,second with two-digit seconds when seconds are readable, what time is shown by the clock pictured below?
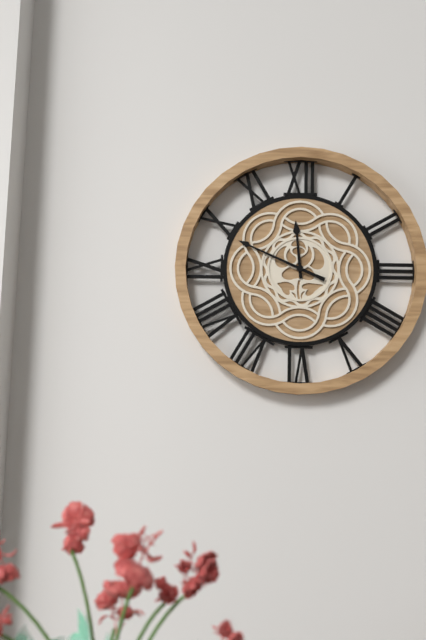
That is 11,49
